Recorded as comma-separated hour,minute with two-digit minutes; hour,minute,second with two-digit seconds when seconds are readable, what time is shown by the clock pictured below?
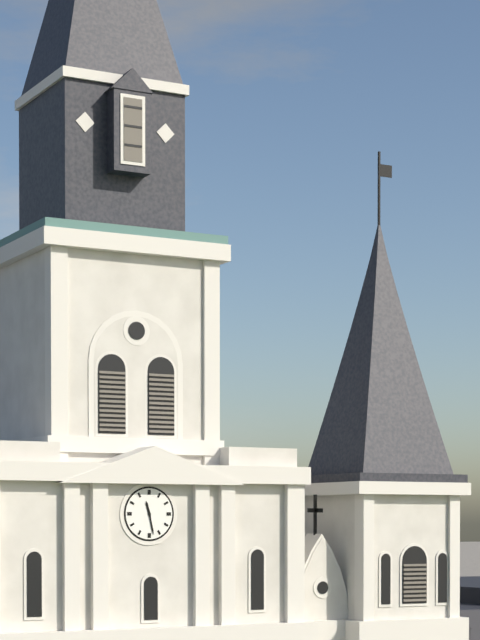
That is 11,28
